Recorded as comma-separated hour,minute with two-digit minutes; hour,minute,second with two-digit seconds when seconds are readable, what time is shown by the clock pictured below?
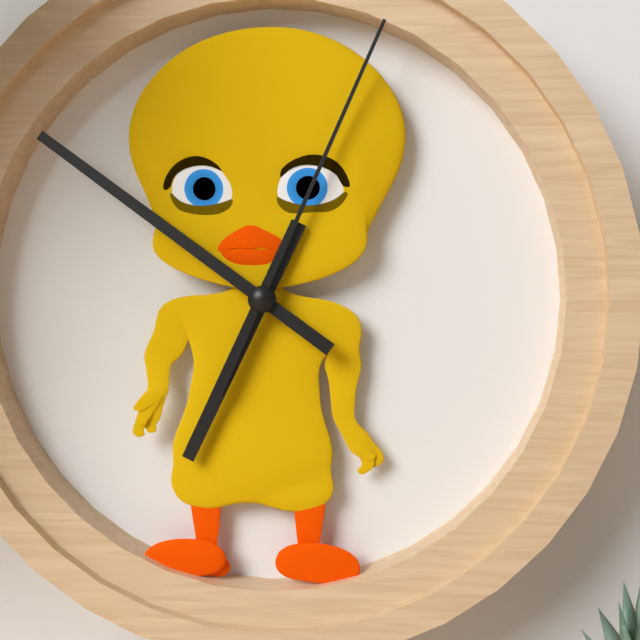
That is 6,51,04
